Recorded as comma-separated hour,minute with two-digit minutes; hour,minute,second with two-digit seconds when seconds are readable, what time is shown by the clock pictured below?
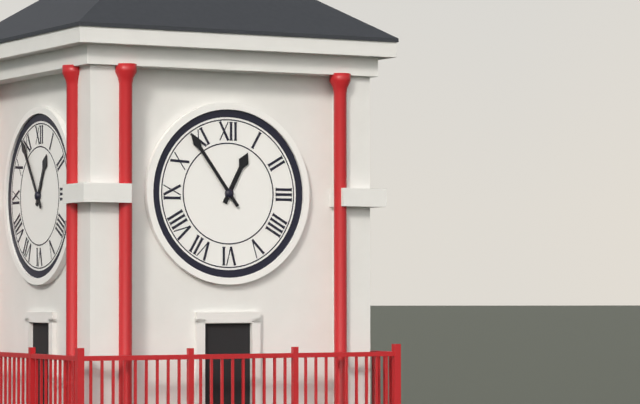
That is 12,54
